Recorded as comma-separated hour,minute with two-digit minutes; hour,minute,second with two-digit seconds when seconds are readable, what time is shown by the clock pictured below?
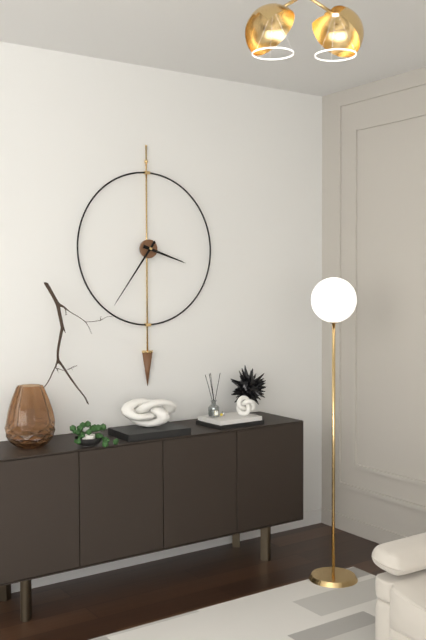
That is 3,36
